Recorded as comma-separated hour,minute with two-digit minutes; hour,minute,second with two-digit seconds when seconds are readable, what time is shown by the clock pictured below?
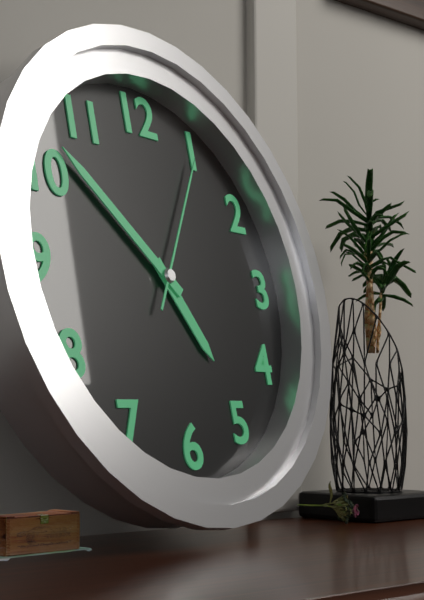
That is 4,52,05
